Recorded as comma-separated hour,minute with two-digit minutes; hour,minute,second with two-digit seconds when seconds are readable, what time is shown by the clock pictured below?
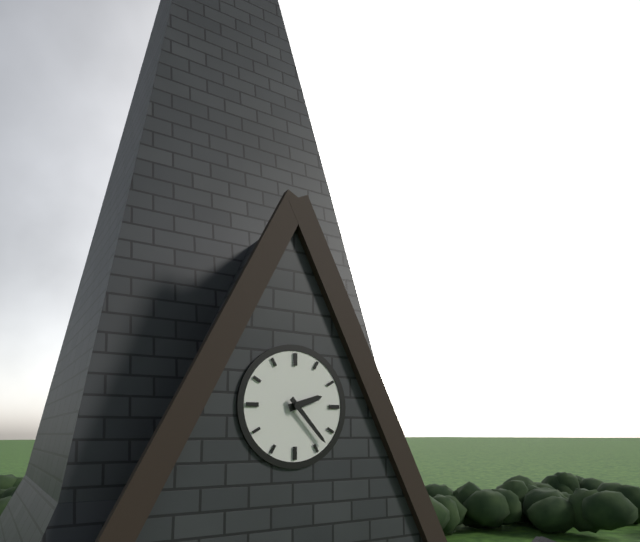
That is 2,23
